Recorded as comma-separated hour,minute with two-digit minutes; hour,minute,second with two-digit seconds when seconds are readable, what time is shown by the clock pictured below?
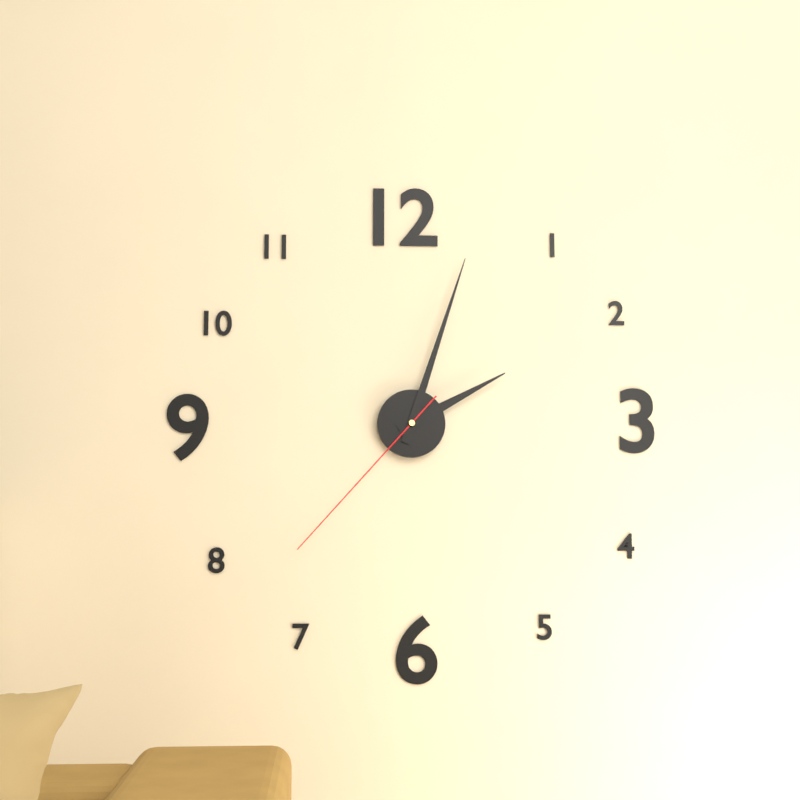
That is 2,03,37
